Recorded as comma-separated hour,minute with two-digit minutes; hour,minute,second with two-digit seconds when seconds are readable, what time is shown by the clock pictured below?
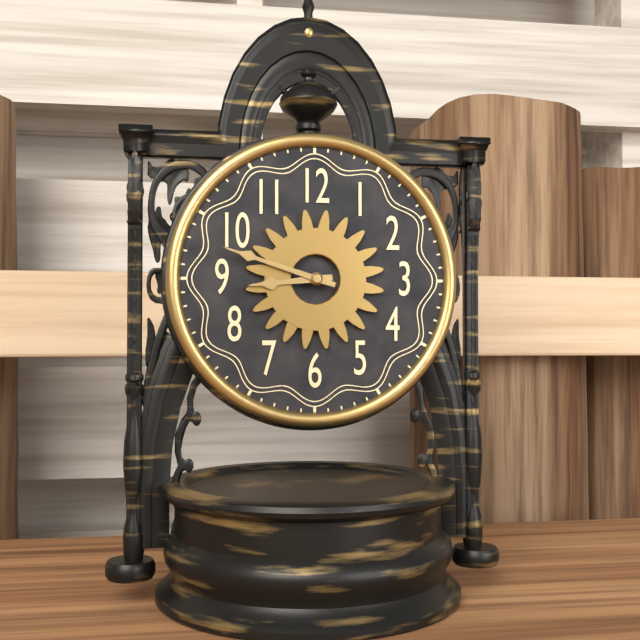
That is 8,48
